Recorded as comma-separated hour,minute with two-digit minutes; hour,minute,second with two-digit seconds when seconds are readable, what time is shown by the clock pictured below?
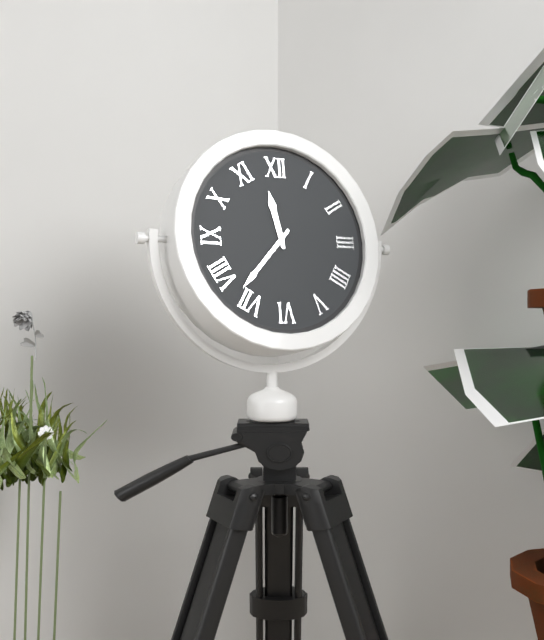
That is 11,37
